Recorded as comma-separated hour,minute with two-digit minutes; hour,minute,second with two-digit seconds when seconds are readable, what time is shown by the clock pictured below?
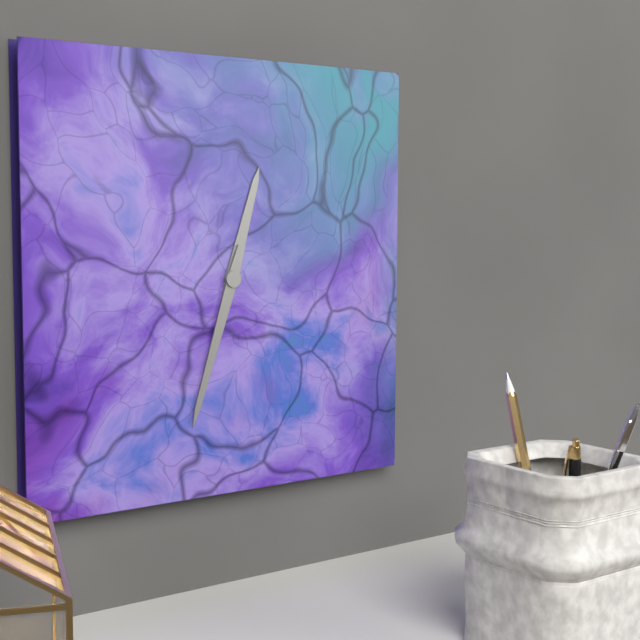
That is 12,33
